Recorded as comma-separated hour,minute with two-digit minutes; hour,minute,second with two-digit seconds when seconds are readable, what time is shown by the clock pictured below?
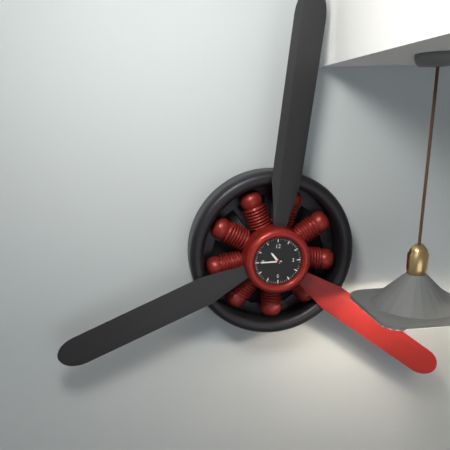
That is 10,45
